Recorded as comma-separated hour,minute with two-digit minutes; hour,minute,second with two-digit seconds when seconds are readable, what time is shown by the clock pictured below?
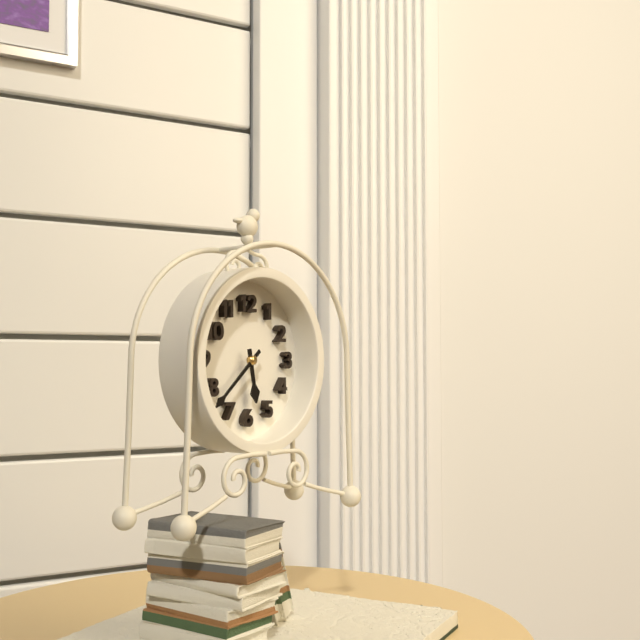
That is 5,38
